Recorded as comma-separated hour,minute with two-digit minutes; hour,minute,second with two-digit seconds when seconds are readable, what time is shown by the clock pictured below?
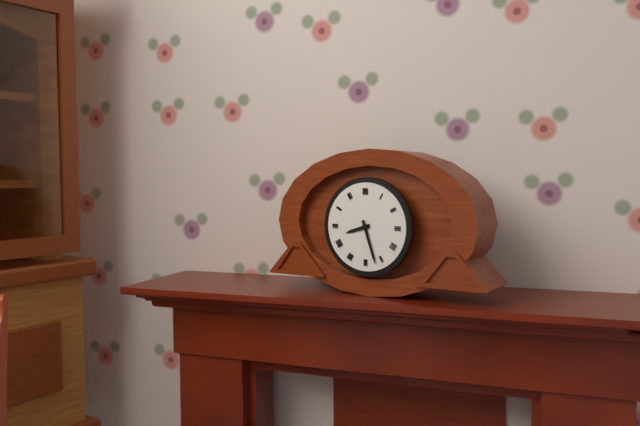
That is 8,27
